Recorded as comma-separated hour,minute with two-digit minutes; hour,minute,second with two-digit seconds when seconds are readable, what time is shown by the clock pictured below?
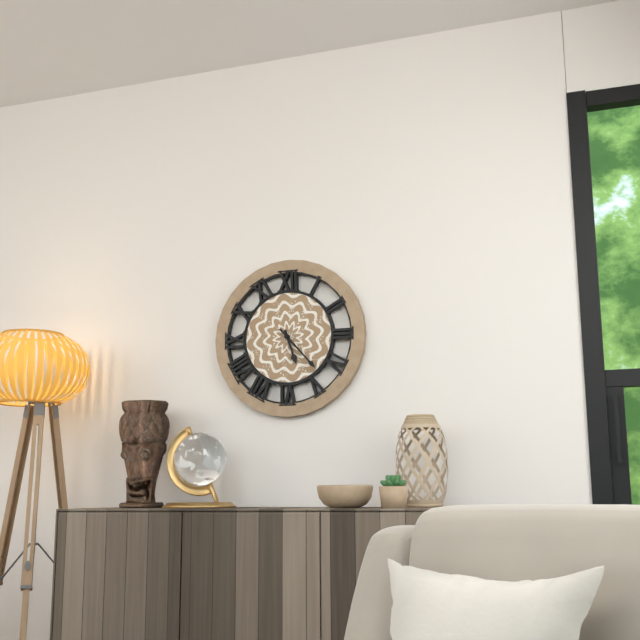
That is 5,23
